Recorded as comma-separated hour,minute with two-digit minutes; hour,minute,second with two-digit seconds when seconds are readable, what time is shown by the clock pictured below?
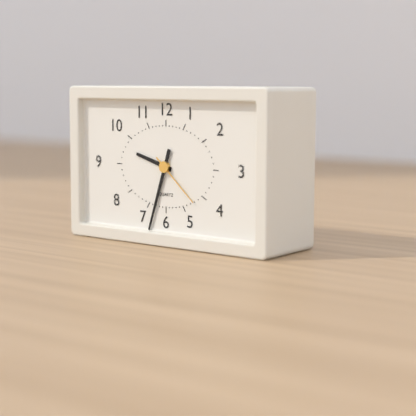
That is 9,33,22
